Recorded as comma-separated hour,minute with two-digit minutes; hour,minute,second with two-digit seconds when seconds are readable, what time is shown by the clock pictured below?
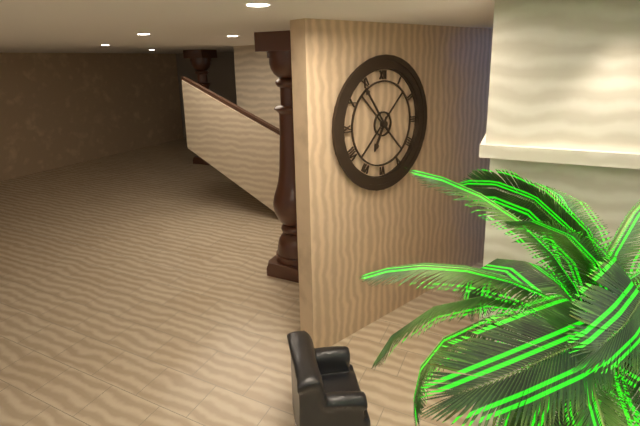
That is 6,54
